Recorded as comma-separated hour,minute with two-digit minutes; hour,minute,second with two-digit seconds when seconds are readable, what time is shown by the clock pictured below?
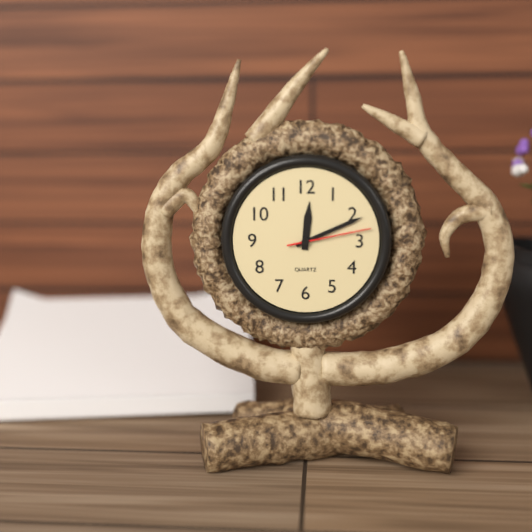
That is 12,11,13
